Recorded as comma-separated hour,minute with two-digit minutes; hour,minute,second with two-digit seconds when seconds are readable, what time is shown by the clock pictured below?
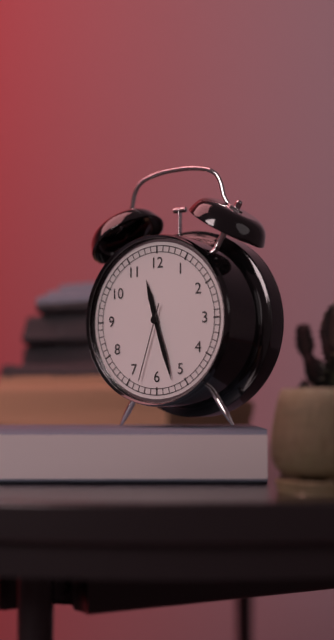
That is 11,27,33
